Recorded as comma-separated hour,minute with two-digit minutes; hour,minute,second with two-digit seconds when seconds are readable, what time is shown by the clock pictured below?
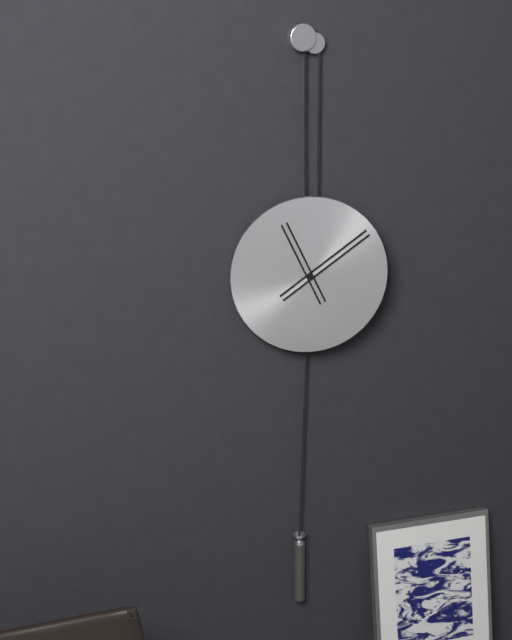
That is 11,09
